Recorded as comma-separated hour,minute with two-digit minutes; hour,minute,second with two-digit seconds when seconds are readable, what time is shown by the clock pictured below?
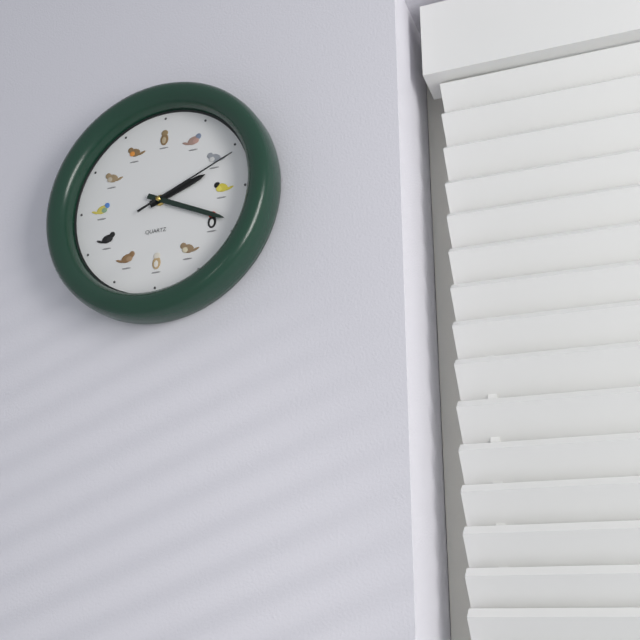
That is 2,19,11
